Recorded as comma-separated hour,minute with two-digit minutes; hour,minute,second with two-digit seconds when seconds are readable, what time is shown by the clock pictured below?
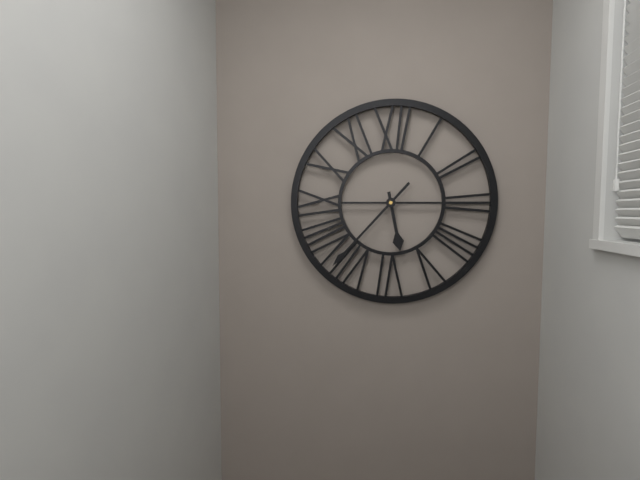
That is 5,37
